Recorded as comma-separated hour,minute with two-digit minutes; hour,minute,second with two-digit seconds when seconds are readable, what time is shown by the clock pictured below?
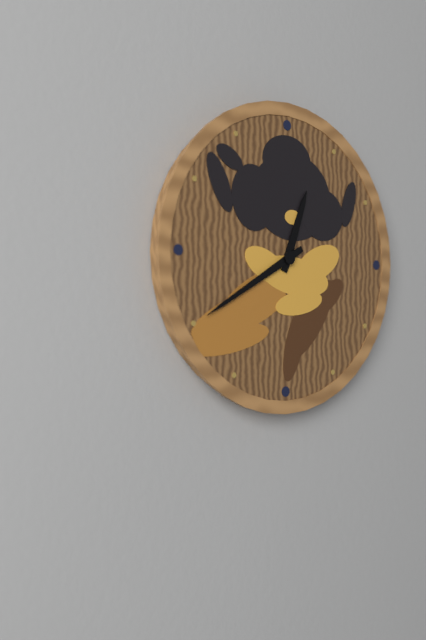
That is 12,40
